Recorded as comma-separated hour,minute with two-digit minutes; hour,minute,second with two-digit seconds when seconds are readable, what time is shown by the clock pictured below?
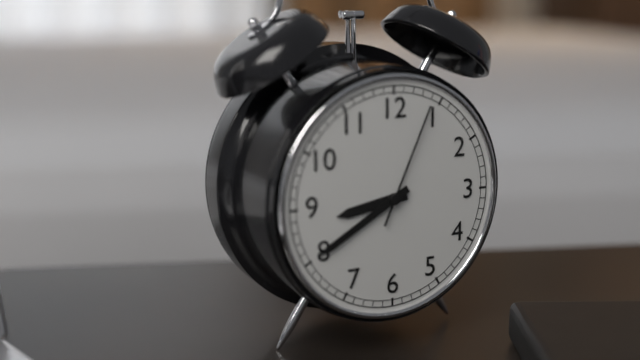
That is 8,40,04
